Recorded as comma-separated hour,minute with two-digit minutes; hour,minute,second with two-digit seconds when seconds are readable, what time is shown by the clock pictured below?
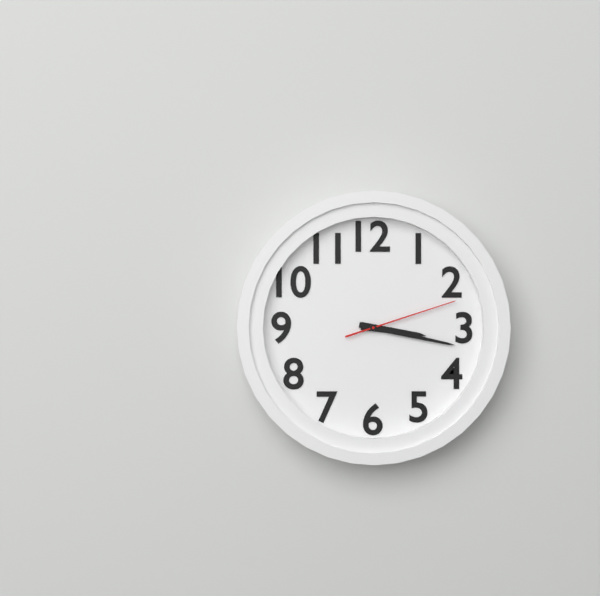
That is 3,17,12
